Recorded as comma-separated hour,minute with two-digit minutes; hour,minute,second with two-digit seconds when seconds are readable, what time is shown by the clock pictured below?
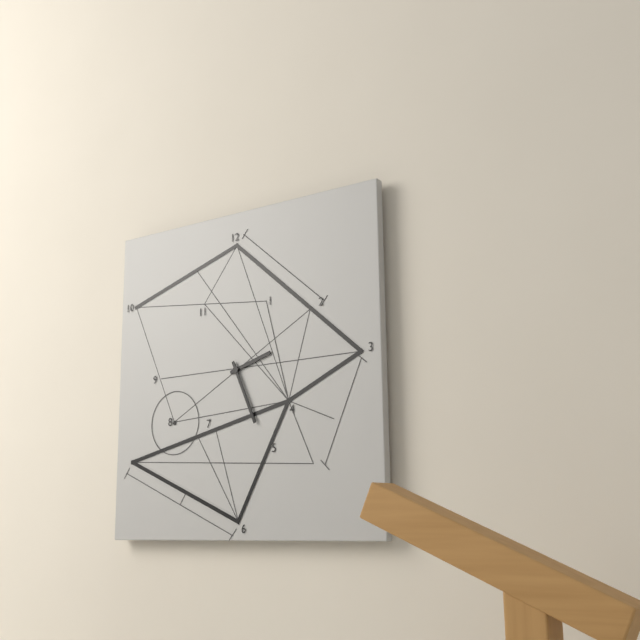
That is 2,26
